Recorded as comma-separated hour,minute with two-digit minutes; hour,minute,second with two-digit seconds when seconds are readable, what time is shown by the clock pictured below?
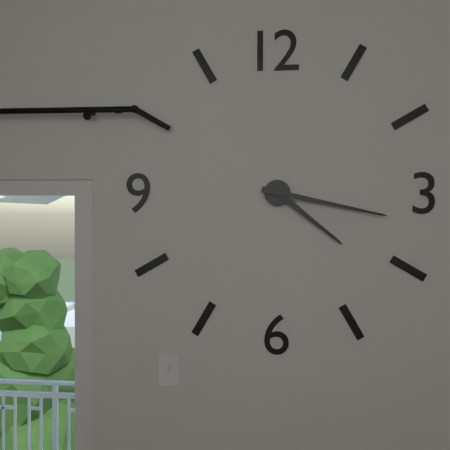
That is 4,17
